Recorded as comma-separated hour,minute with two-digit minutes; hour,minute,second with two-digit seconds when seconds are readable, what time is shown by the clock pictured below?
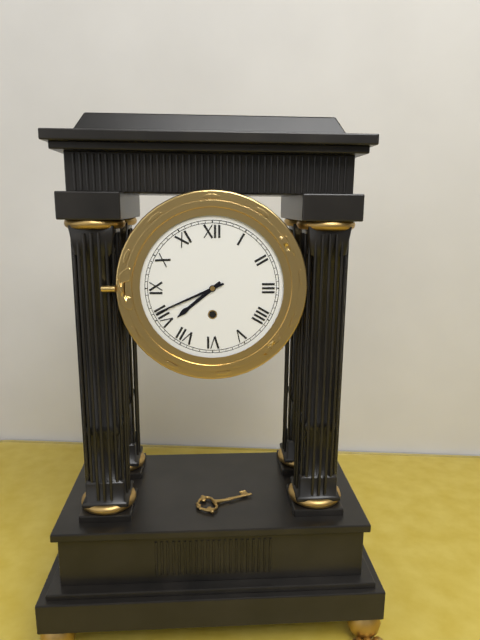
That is 7,41
